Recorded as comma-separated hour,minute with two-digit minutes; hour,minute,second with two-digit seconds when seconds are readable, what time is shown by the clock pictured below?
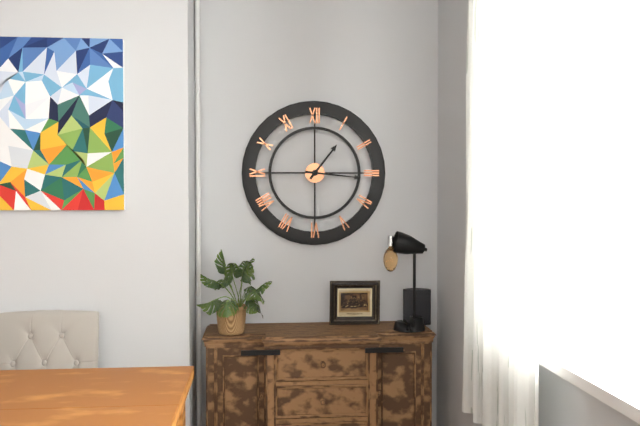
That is 1,16
